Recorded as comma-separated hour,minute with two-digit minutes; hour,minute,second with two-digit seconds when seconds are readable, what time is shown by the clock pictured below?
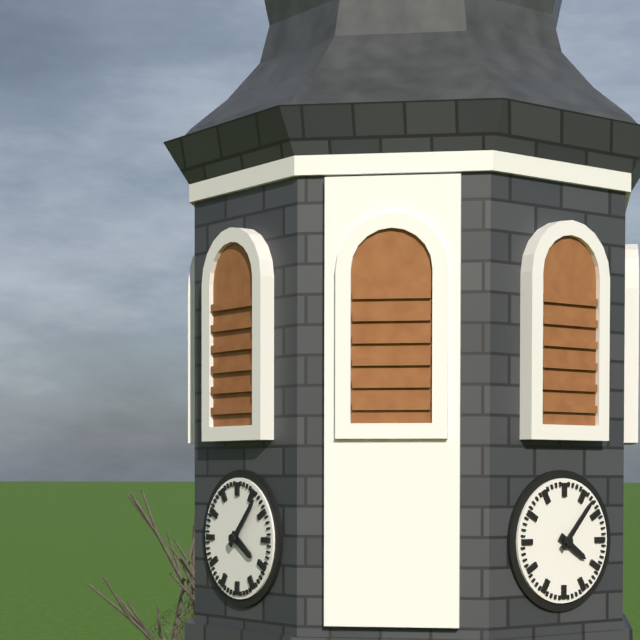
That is 4,07
